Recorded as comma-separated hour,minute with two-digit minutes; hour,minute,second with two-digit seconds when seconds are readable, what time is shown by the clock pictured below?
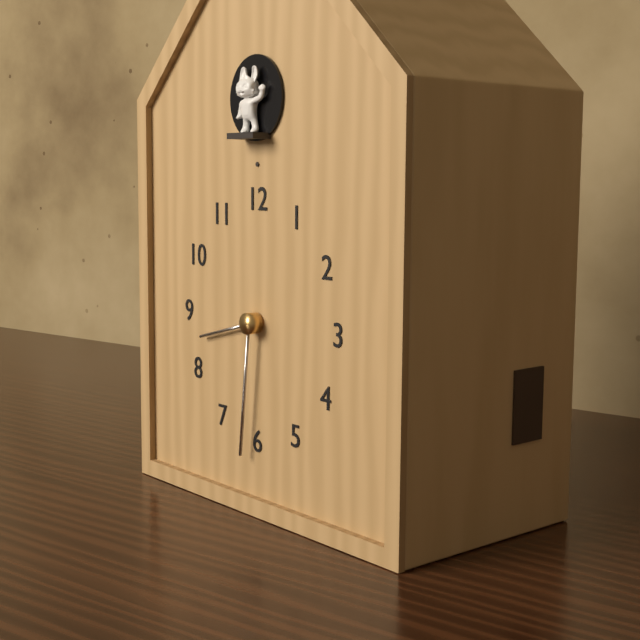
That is 8,31
